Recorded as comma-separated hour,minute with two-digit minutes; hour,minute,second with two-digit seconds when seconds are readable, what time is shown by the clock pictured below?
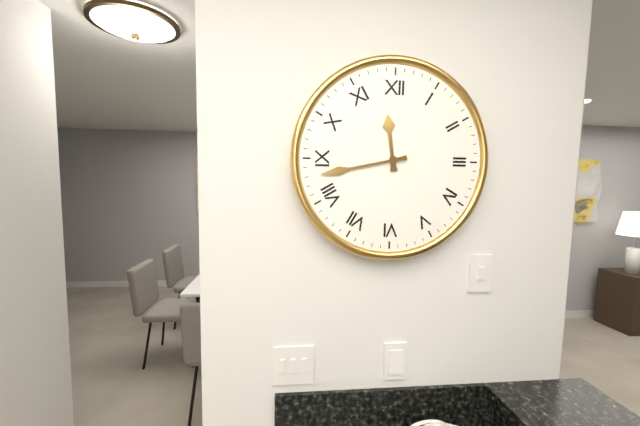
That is 11,43
